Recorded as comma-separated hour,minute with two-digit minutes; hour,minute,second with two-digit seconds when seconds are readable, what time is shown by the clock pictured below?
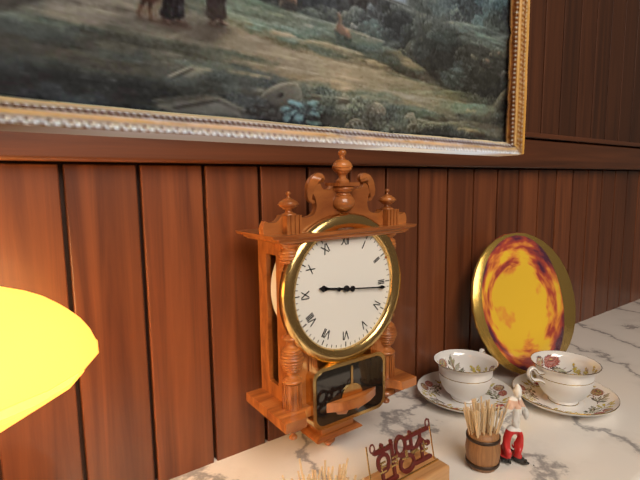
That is 9,16
